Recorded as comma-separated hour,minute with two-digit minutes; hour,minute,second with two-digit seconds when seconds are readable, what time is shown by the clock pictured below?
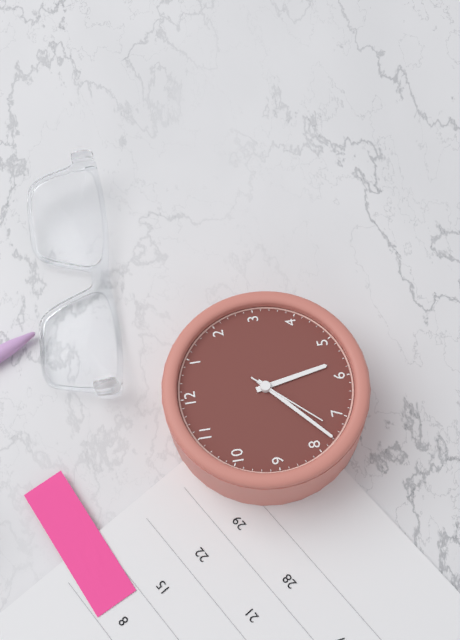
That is 5,38,37
